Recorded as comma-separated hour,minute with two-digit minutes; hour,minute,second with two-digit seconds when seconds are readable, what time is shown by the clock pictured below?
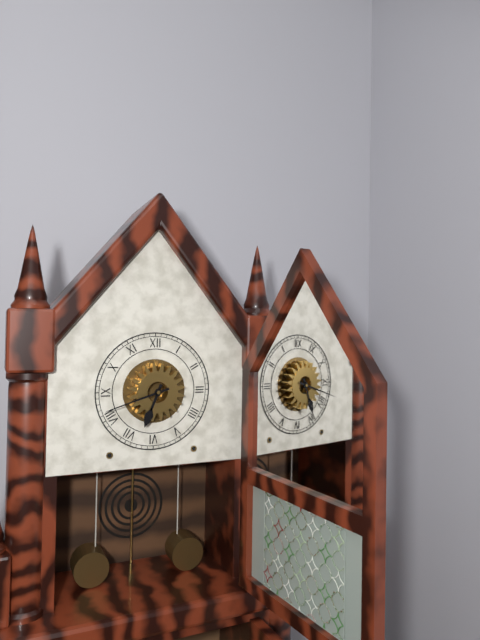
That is 6,42
